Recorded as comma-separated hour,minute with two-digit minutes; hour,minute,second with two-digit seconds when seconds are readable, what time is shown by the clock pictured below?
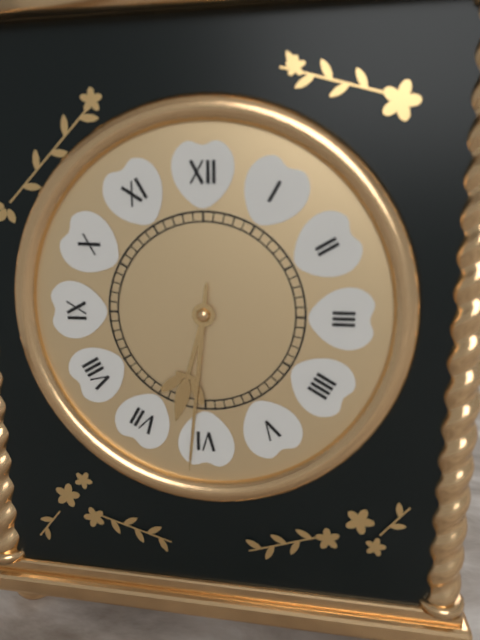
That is 6,31
